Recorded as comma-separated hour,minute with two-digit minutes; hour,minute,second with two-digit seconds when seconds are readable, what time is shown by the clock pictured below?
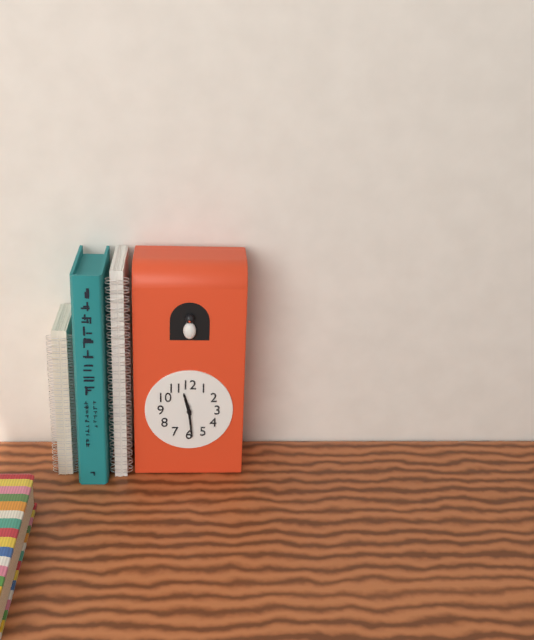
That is 11,29
